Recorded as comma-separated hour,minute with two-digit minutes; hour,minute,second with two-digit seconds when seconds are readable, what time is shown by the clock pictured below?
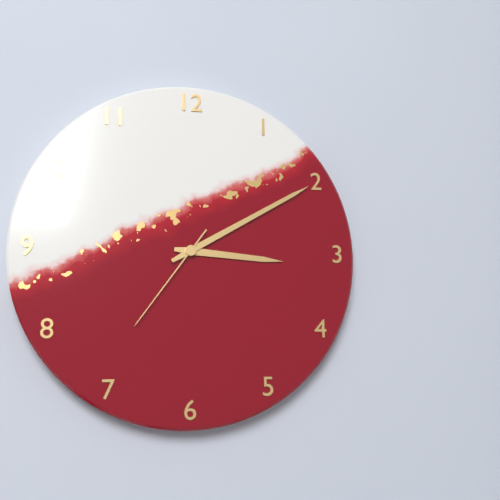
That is 3,10,36
